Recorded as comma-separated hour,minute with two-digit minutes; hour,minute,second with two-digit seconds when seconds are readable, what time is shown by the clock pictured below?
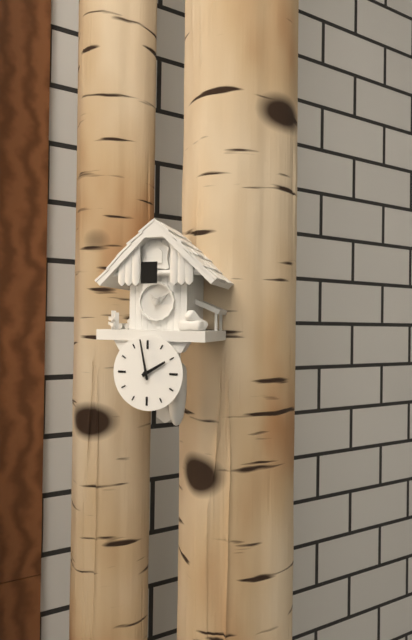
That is 1,58
